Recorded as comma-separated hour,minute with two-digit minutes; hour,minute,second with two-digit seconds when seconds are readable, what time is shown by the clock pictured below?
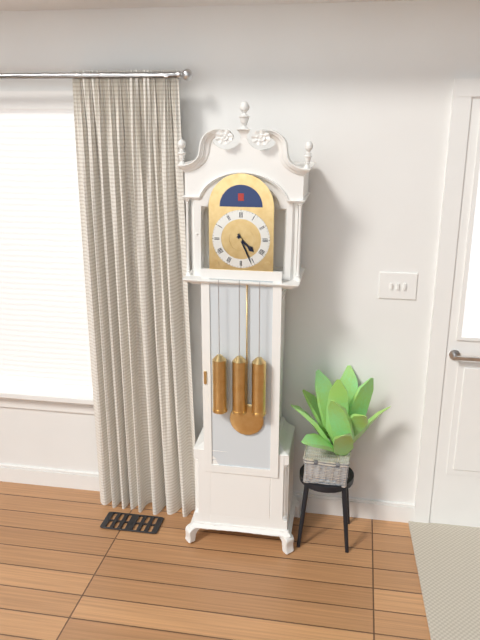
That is 4,26
